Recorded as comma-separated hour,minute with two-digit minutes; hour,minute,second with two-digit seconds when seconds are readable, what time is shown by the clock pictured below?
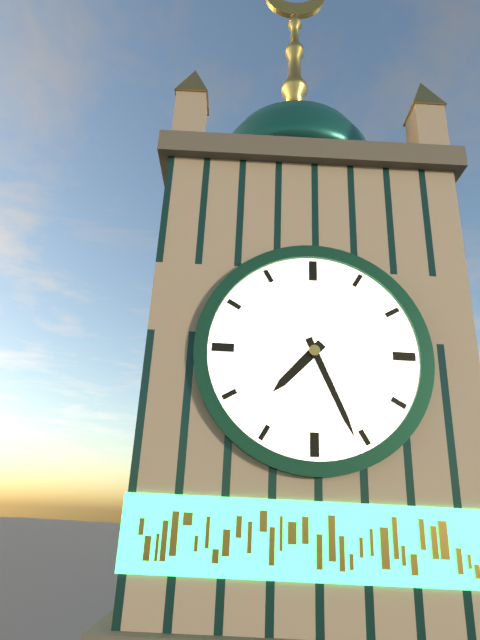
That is 7,26
